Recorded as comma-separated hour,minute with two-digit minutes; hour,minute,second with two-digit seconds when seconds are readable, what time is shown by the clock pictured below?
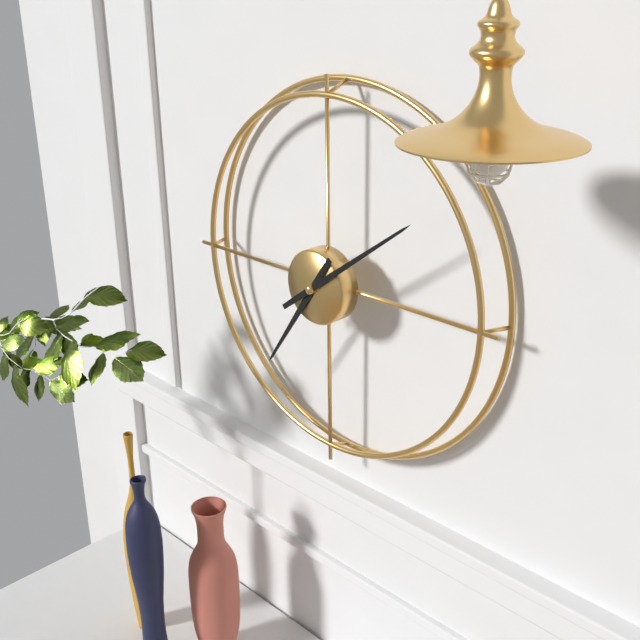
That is 7,09
